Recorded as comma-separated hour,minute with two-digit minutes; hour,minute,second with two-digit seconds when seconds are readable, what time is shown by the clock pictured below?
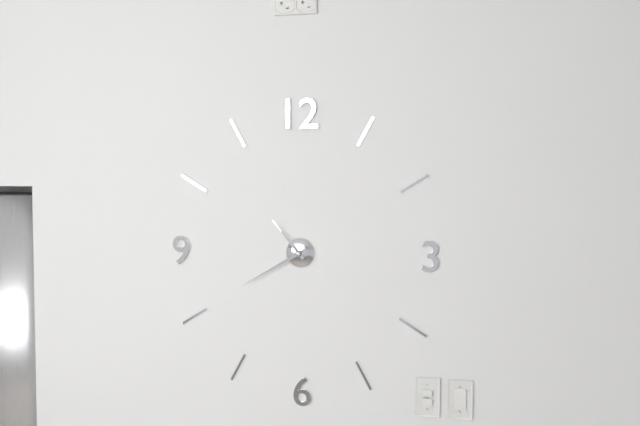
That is 10,40
